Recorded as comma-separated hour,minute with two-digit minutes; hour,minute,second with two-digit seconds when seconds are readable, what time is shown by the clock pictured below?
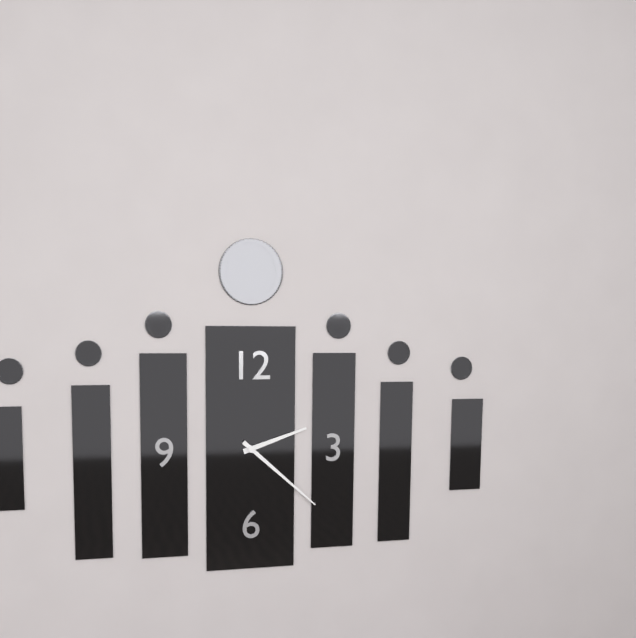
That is 2,22
